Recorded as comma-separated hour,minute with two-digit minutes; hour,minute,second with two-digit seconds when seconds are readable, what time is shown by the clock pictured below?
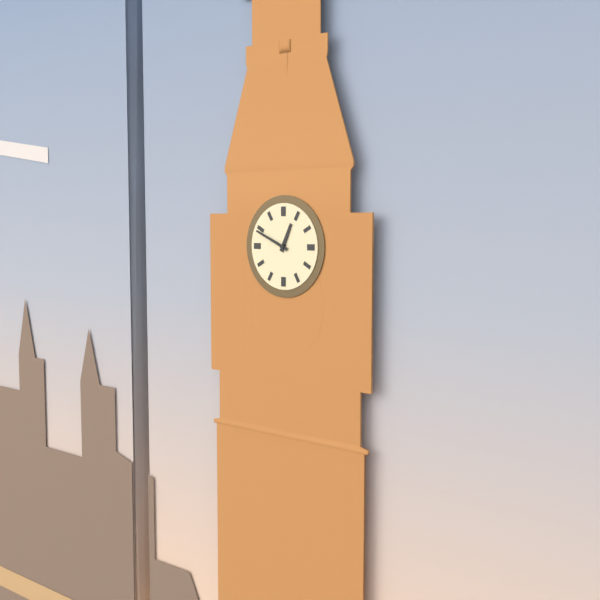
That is 12,49
